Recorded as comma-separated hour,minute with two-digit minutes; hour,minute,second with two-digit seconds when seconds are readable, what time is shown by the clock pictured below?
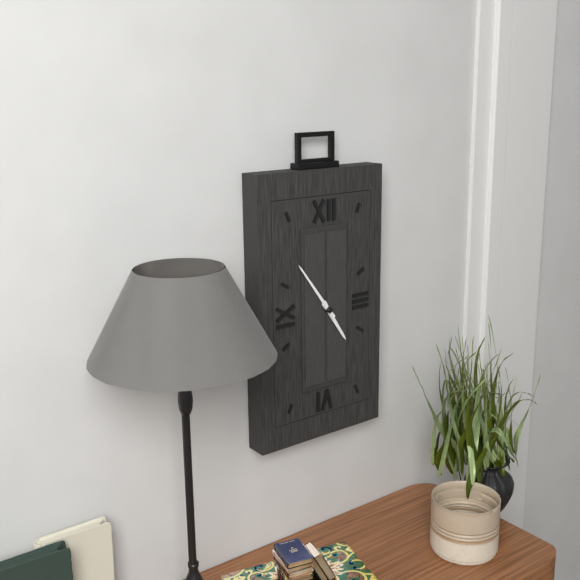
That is 4,54
